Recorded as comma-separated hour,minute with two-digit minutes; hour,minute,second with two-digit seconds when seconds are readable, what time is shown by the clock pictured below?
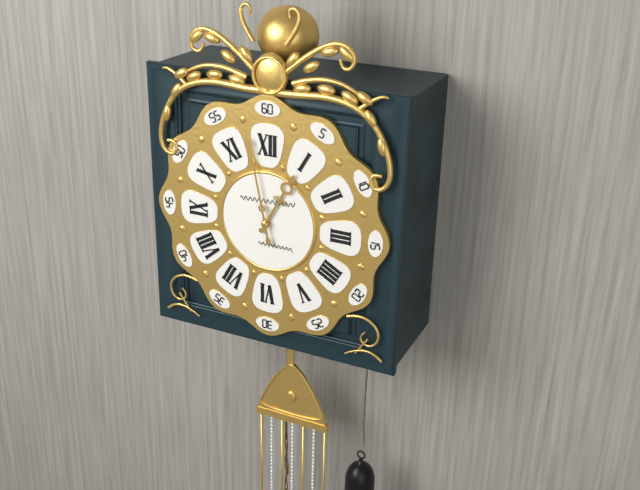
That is 12,58
